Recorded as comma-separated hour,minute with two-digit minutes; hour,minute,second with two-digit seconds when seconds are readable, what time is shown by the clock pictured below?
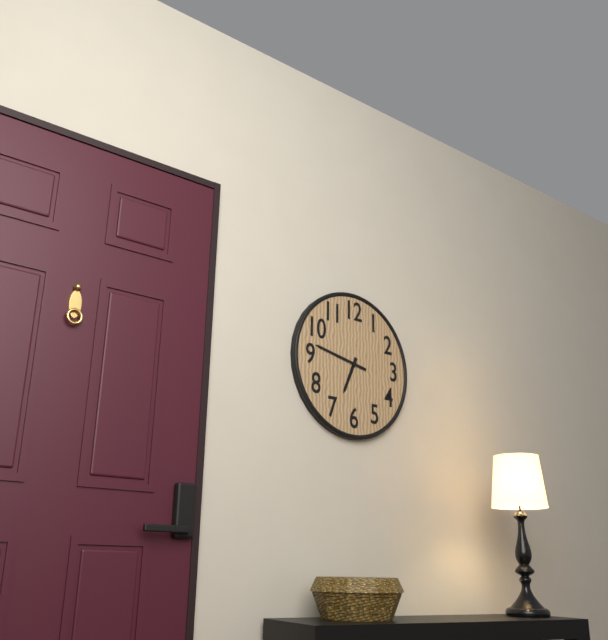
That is 6,47
